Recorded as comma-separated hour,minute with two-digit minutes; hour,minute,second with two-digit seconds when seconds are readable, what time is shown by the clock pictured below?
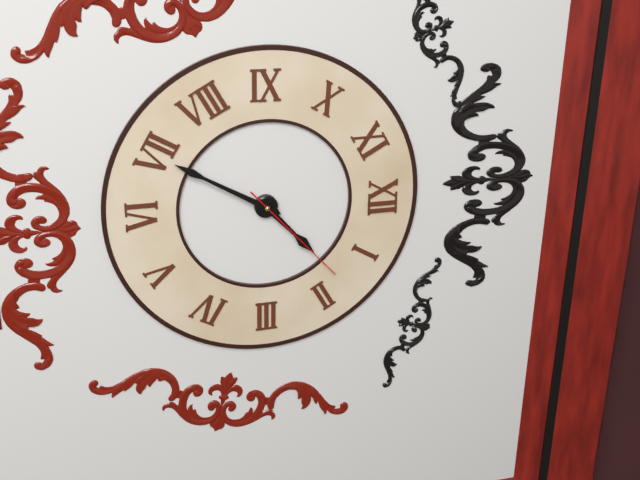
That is 1,35,08
